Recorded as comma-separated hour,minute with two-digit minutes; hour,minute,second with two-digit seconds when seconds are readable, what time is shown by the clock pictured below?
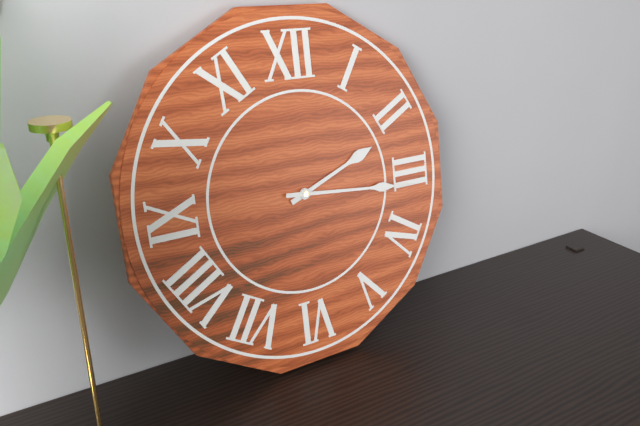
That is 2,16
